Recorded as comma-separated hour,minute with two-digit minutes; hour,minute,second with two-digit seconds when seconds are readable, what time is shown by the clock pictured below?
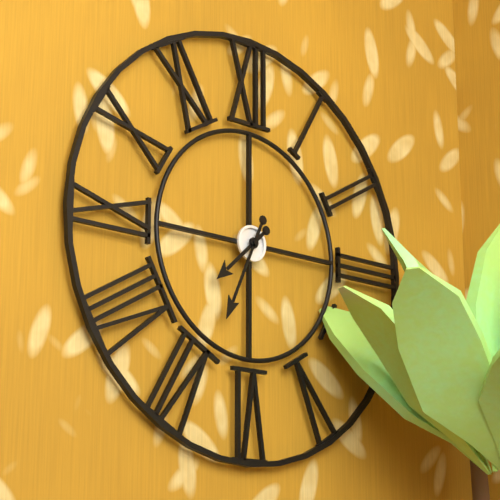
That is 7,34
